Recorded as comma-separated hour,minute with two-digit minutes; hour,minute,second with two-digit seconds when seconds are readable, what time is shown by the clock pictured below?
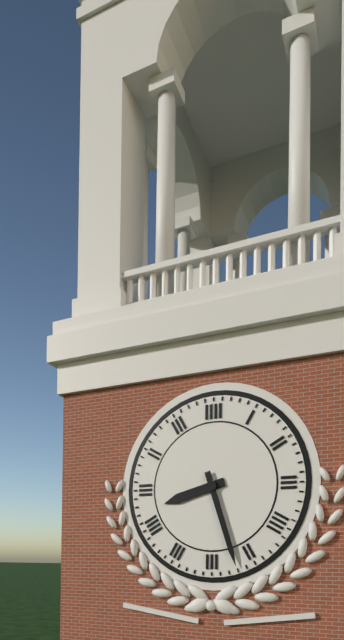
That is 8,27
